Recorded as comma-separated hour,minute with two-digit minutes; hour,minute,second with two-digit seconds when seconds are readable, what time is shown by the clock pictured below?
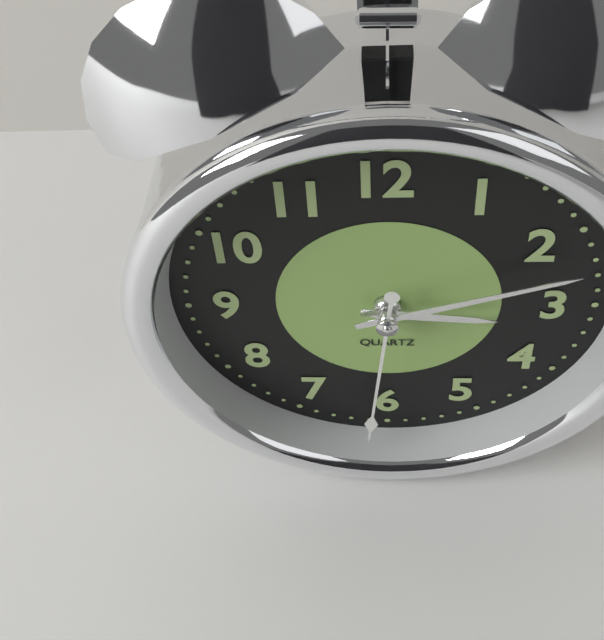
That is 3,12,31
